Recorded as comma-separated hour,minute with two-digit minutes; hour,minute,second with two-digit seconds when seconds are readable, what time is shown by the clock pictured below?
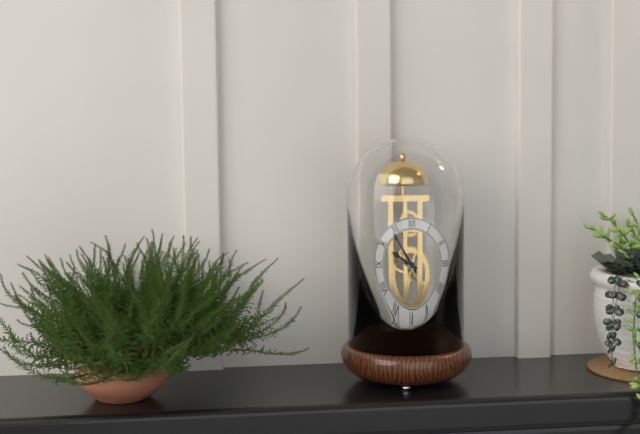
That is 9,54
